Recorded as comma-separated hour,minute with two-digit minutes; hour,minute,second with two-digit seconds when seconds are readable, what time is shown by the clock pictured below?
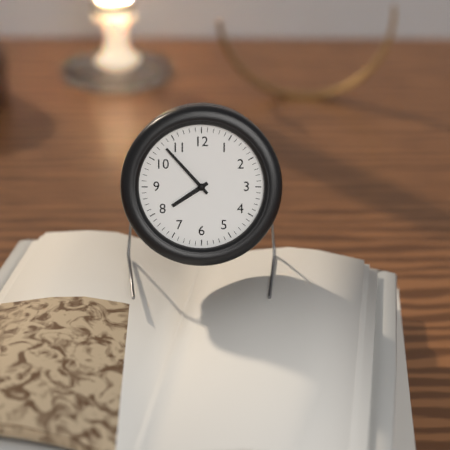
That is 7,53
